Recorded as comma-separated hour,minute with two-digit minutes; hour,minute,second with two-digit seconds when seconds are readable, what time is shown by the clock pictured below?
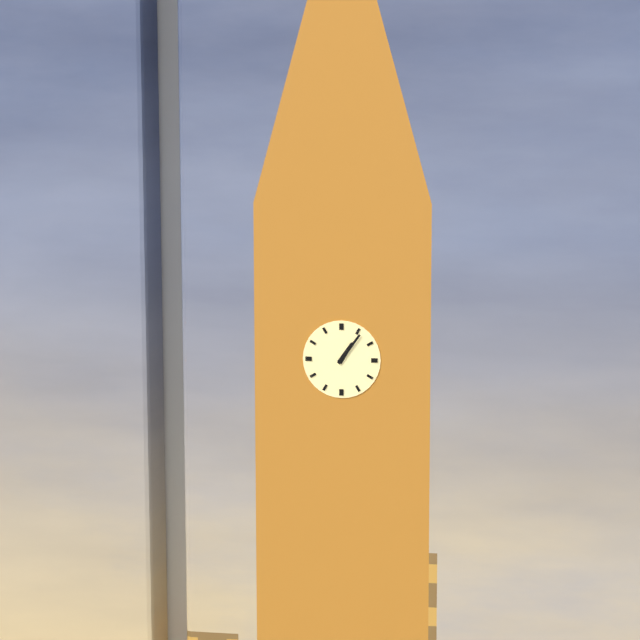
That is 1,06
